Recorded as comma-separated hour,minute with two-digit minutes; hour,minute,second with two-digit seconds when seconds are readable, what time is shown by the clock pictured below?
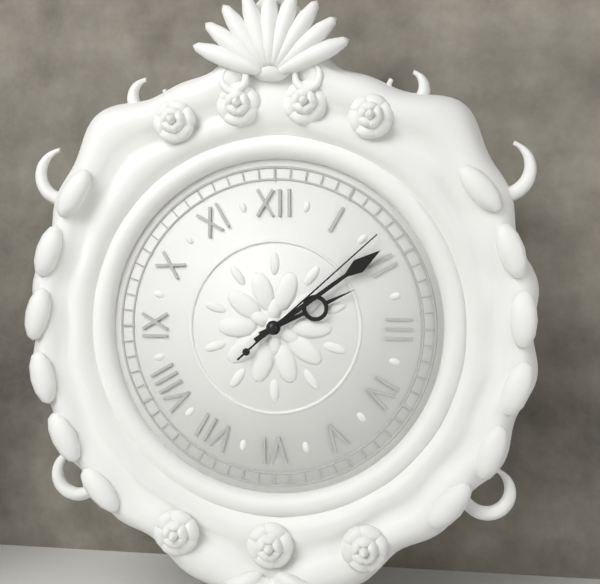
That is 2,09,08
